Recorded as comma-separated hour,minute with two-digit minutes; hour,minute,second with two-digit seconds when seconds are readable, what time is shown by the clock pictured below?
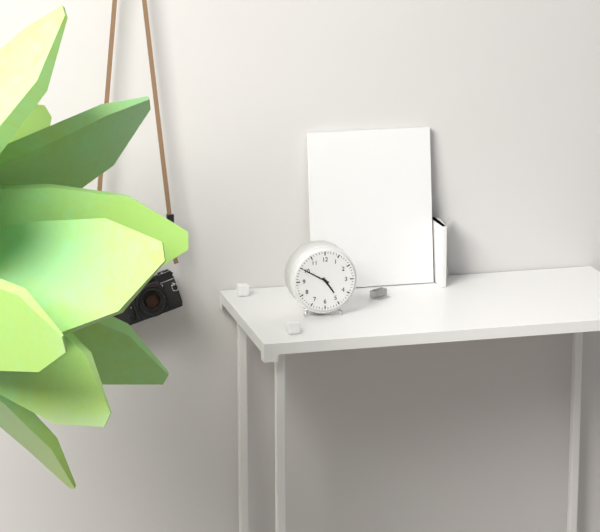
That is 4,50
